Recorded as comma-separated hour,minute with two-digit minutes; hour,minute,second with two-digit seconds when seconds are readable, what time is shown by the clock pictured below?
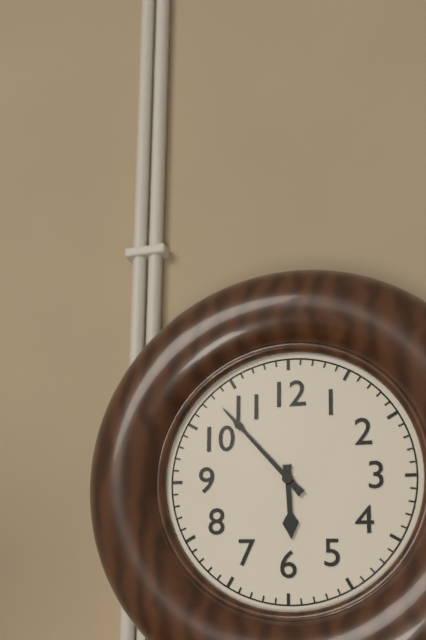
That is 5,53
